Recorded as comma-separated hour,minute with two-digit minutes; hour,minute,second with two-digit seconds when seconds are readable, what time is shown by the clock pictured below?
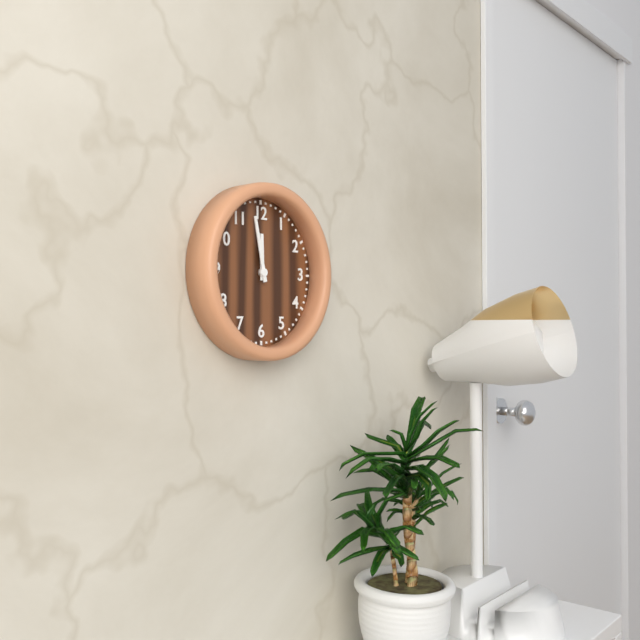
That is 11,58
